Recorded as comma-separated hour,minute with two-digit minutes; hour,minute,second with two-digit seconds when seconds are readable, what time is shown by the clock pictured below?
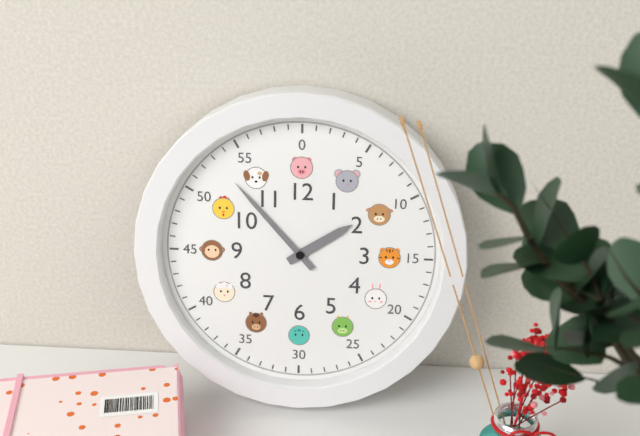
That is 1,53
